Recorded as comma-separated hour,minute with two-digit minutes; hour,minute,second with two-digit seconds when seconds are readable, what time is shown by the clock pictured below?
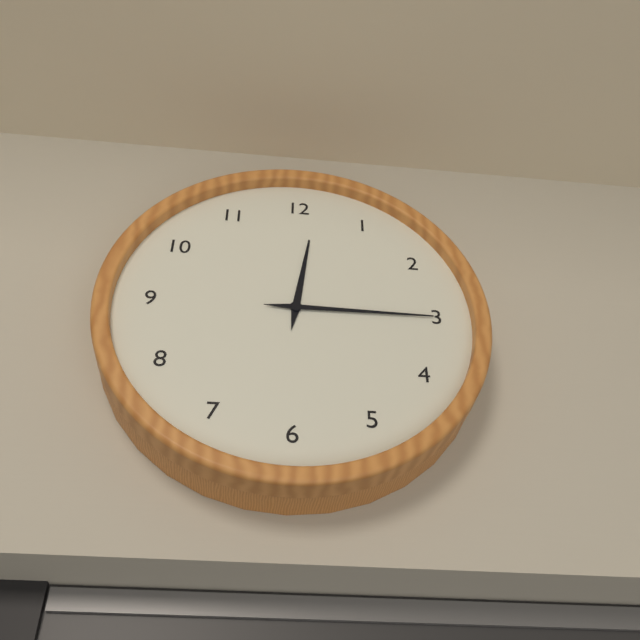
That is 12,15
